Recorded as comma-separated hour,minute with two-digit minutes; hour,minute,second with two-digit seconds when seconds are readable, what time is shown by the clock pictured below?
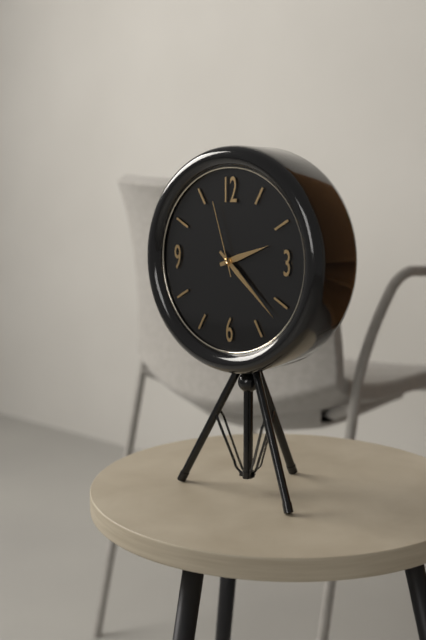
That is 2,22,57
